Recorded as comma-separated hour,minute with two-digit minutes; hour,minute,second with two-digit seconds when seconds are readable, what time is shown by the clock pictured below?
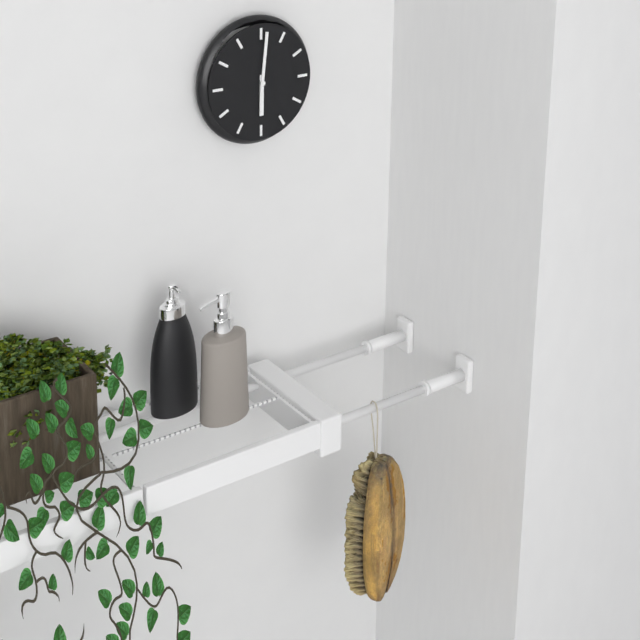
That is 6,01
